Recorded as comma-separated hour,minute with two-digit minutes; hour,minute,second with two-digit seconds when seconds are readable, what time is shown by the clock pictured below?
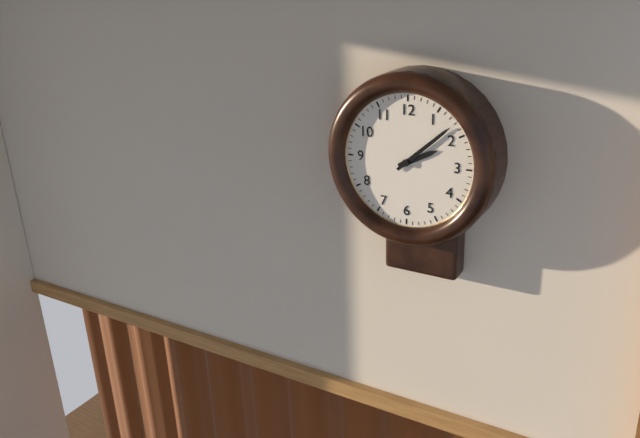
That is 2,08
